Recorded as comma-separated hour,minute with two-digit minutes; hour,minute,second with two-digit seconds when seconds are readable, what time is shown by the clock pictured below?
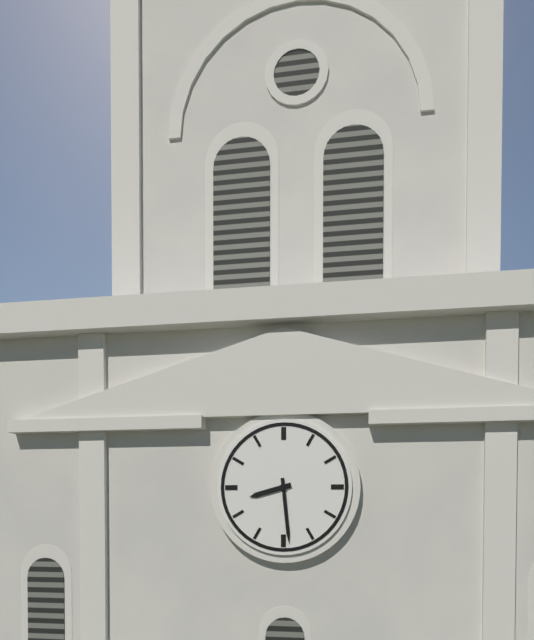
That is 8,29
